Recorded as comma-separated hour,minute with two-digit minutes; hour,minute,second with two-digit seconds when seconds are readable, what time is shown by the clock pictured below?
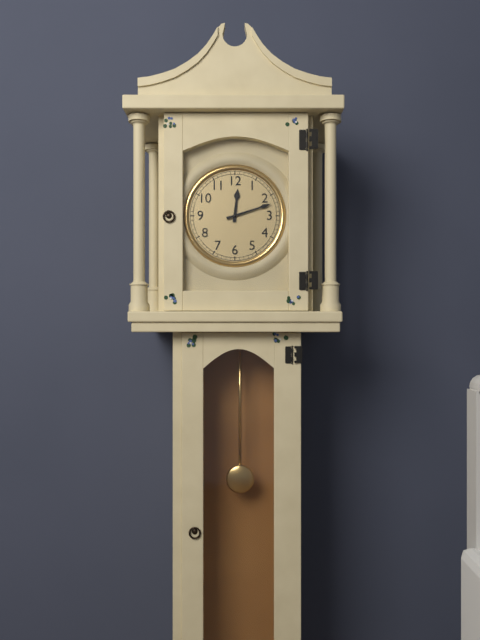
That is 12,12
